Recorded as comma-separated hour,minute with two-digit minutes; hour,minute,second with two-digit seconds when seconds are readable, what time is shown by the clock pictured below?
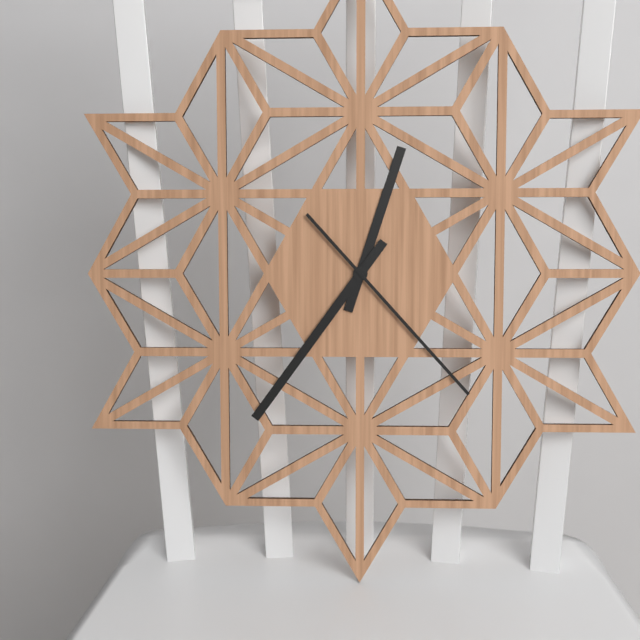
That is 12,36,23
